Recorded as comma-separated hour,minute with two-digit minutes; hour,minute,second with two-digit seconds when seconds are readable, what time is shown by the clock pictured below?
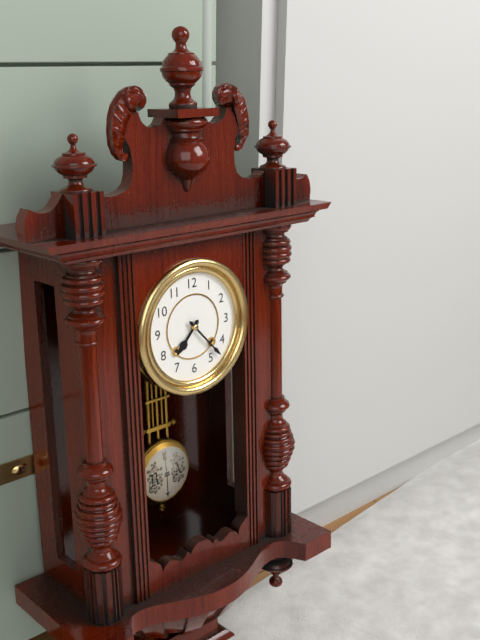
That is 7,23
